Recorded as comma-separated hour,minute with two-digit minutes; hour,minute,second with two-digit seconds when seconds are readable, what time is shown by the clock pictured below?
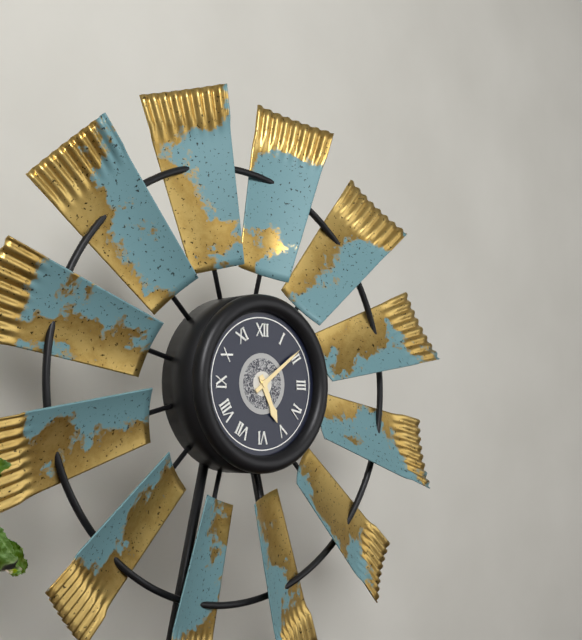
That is 5,09
